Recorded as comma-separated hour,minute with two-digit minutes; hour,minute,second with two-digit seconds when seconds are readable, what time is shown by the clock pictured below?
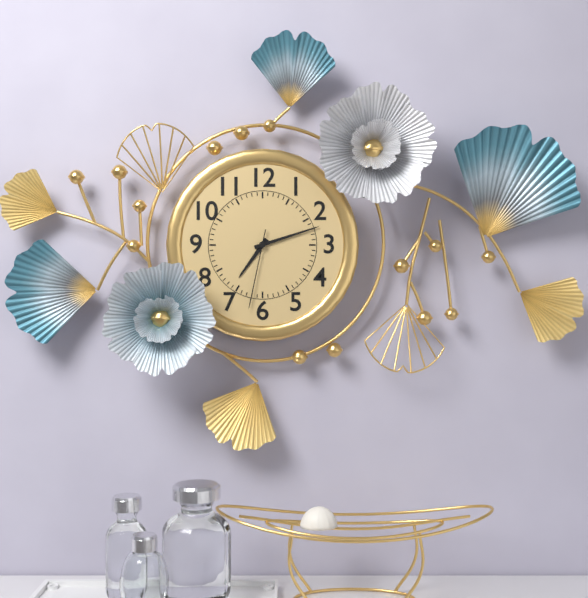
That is 7,12,32
